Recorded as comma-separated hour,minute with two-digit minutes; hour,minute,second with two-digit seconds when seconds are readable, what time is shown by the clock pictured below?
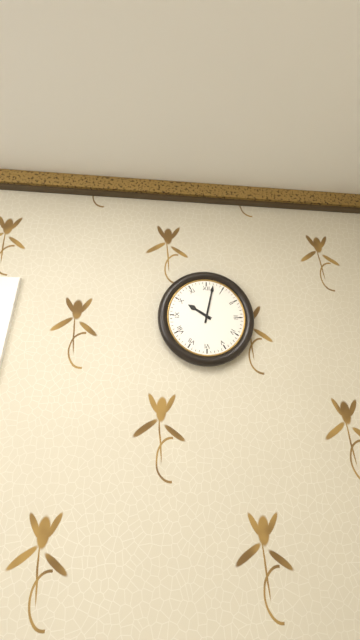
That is 10,02
